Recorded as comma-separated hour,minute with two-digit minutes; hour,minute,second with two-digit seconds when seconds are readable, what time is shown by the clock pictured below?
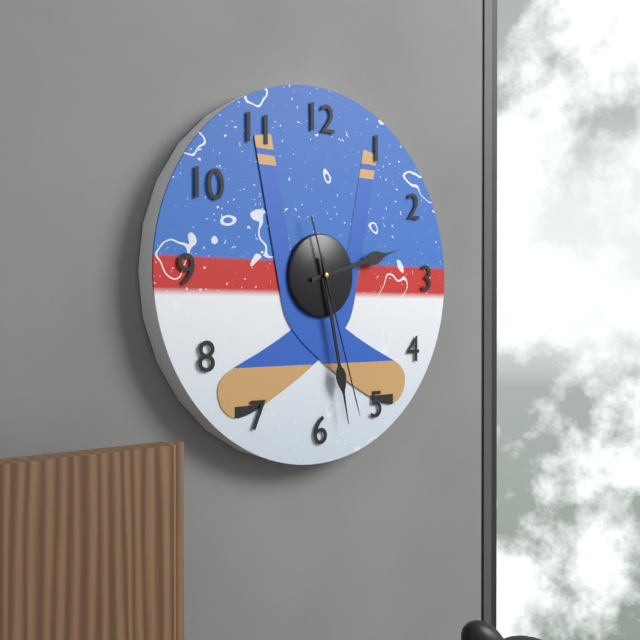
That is 2,28,27
